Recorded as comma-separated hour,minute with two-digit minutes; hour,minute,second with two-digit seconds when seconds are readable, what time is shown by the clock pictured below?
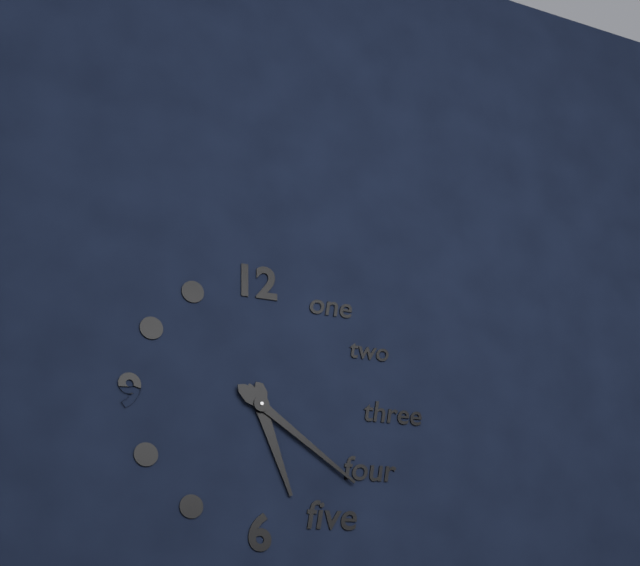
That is 5,21
